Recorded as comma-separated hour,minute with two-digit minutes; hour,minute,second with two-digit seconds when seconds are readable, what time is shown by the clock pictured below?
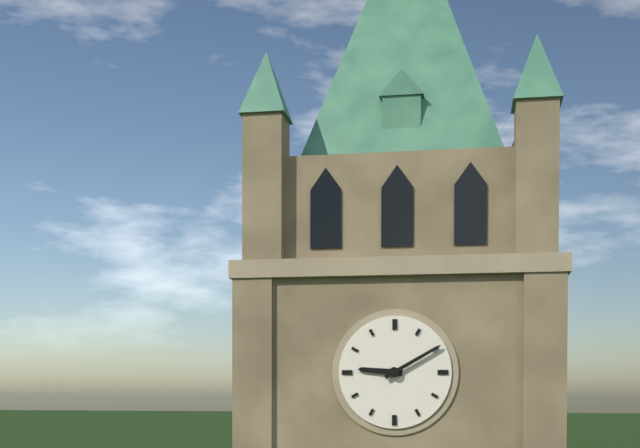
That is 9,10
